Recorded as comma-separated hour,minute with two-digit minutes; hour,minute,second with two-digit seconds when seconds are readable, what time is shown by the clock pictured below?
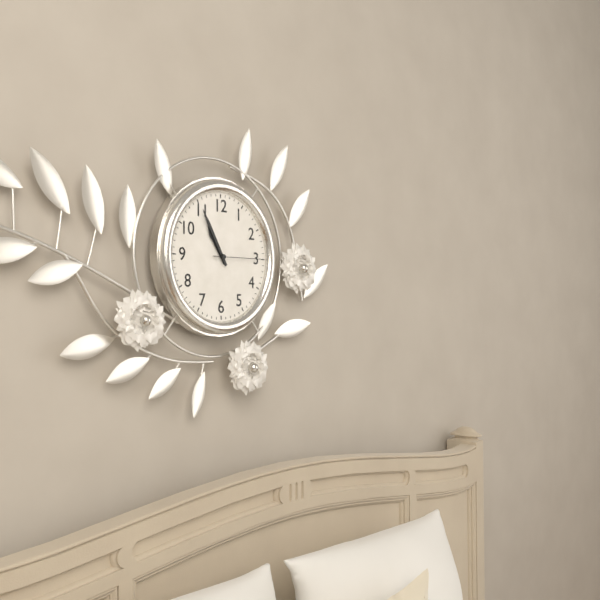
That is 10,55
